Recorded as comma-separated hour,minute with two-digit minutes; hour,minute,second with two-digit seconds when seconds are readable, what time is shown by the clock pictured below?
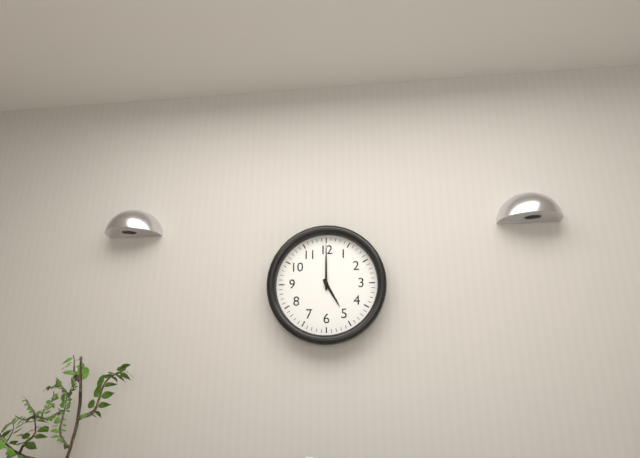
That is 5,00
